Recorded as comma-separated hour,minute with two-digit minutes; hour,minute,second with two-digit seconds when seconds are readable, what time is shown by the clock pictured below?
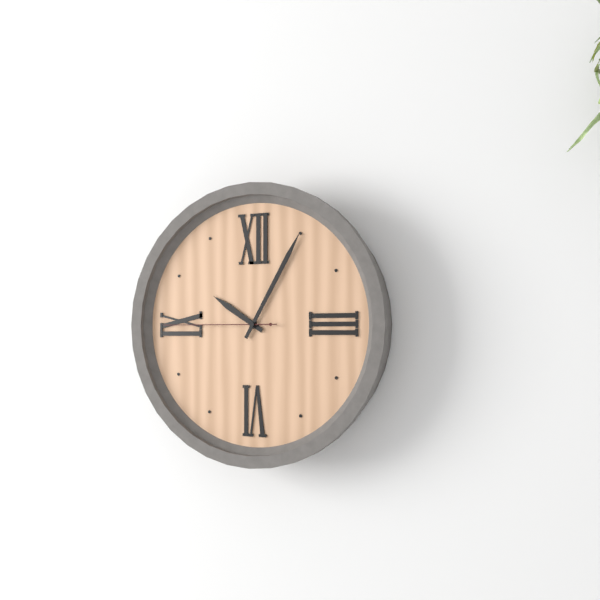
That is 10,05,45
